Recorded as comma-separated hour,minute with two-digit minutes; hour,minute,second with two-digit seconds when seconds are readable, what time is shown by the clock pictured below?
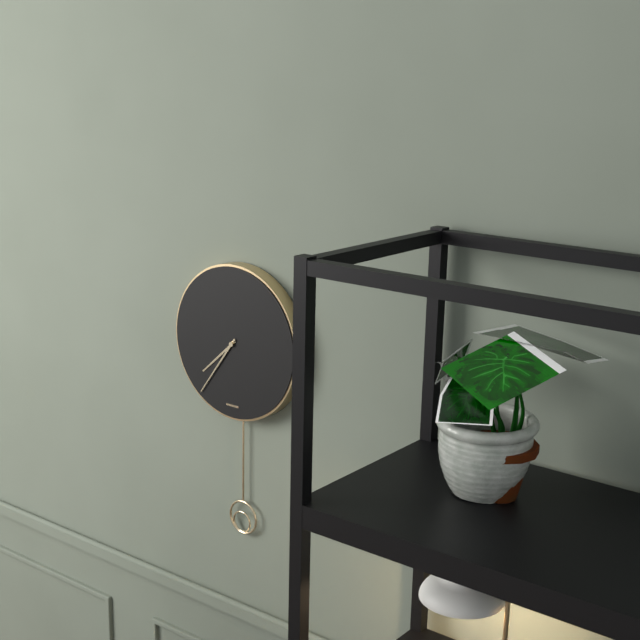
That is 7,36
